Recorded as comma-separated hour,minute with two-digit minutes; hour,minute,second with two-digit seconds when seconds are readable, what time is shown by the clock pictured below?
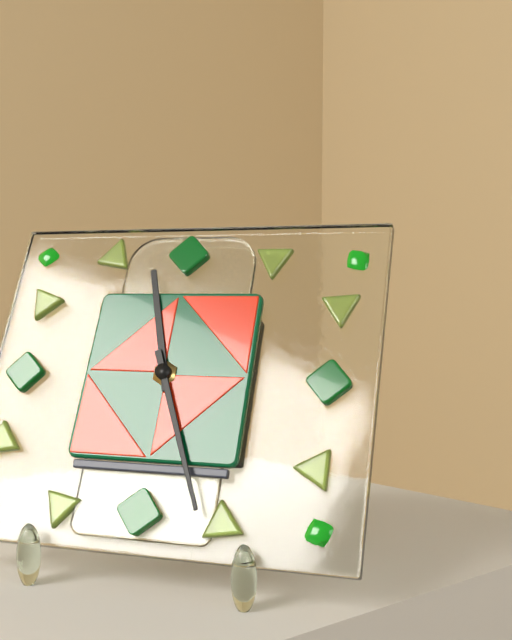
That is 11,26
